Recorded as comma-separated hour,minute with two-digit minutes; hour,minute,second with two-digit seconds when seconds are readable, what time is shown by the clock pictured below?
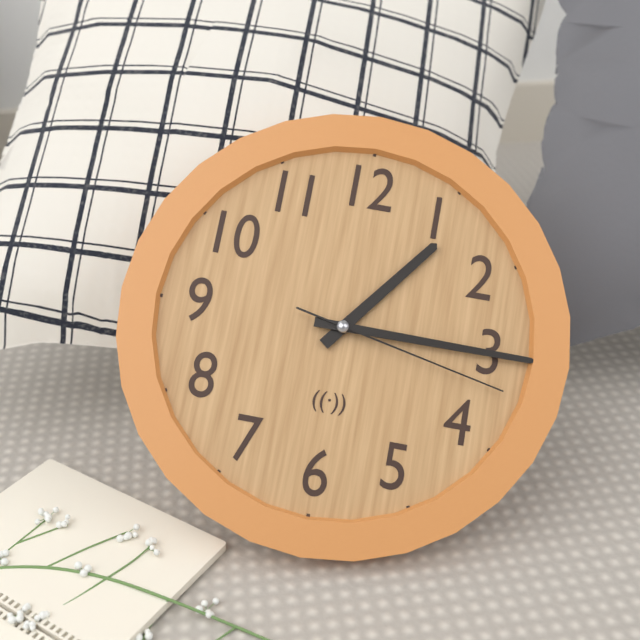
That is 1,15,17
